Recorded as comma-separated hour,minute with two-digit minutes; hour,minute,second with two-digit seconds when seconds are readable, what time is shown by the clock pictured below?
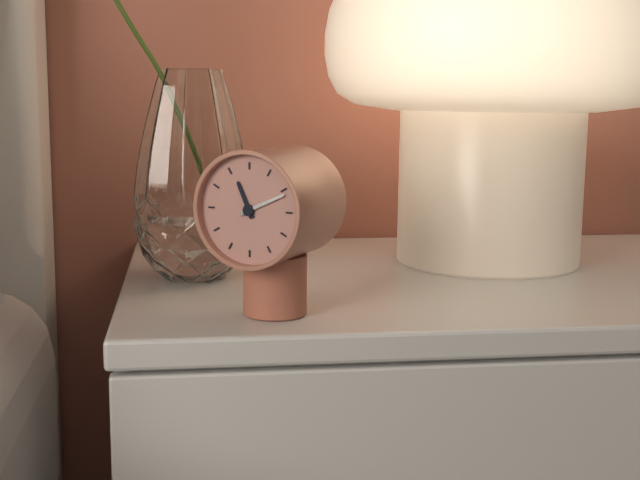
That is 11,11
